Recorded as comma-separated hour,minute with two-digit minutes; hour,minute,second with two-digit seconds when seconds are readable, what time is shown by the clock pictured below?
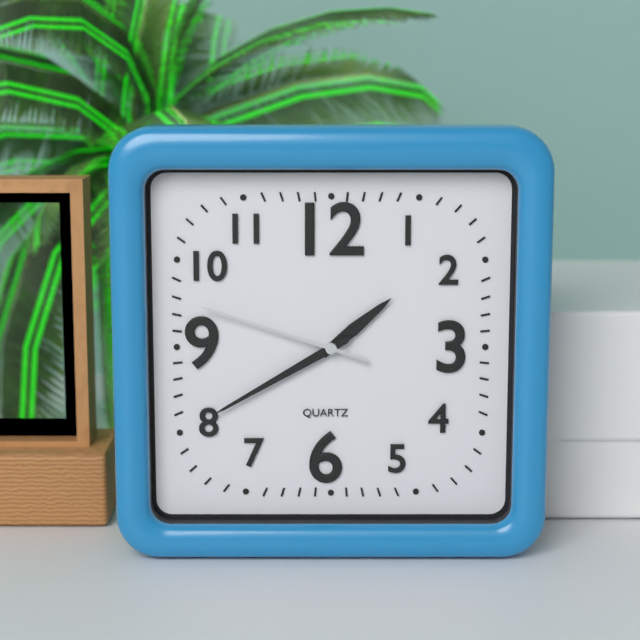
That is 1,40,48
